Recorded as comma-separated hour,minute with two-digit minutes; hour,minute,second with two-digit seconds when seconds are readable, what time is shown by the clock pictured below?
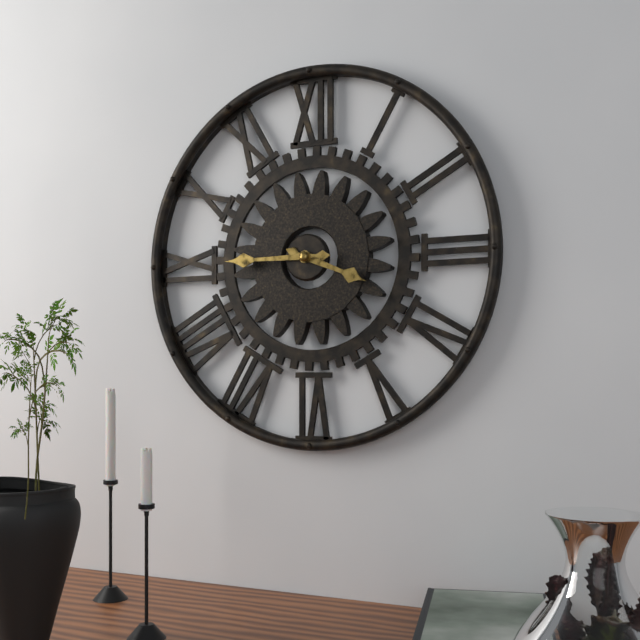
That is 3,45
